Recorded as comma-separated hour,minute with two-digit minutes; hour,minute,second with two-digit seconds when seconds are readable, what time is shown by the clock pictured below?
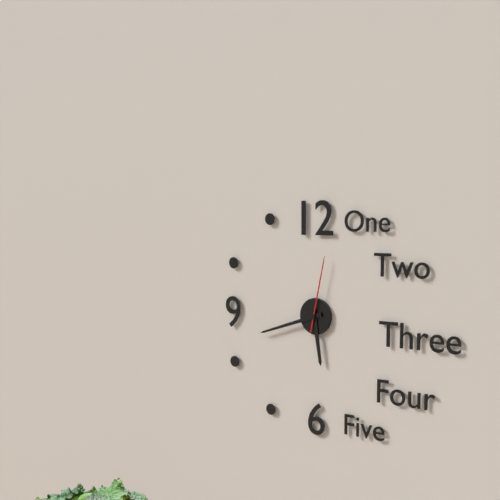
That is 5,42,02
